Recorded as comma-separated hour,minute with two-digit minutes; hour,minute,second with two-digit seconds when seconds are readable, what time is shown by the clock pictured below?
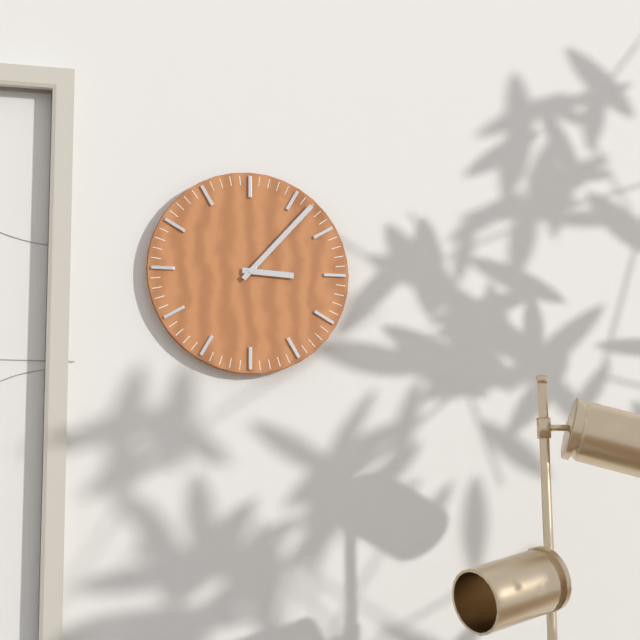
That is 3,07
